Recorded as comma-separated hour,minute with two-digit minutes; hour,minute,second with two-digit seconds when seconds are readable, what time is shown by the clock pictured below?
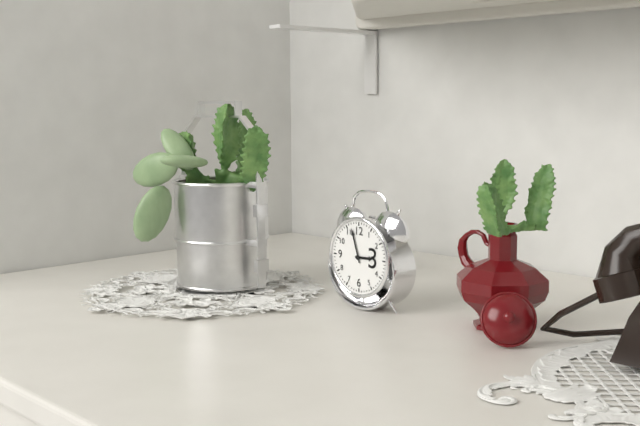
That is 2,57
